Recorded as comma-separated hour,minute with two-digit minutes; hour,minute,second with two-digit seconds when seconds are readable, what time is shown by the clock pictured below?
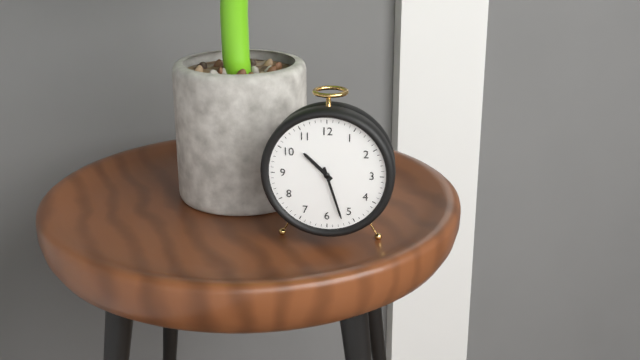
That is 10,27
